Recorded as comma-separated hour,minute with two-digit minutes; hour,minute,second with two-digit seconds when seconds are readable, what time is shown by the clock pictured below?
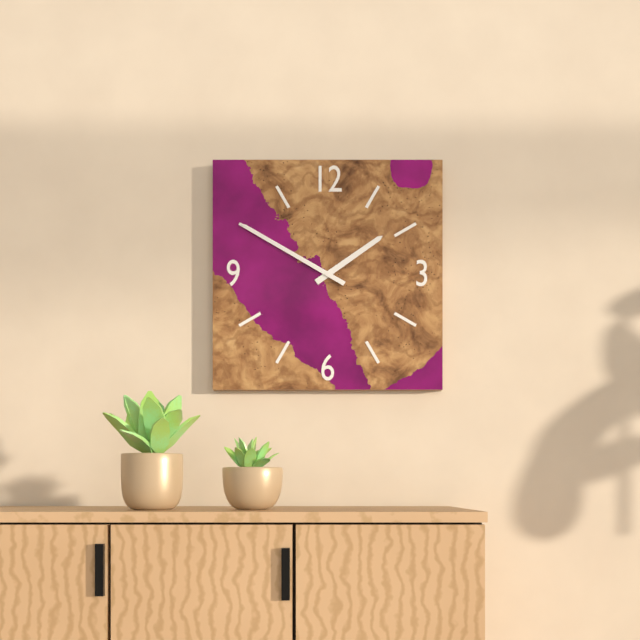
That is 1,50
